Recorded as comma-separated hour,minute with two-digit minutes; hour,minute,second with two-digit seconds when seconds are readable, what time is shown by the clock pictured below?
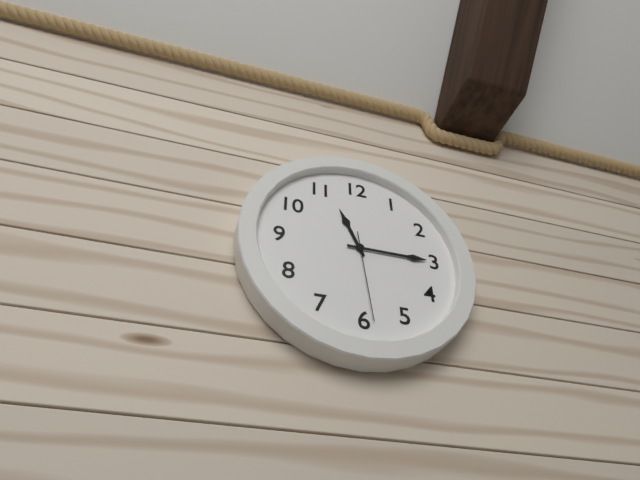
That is 11,15,29
